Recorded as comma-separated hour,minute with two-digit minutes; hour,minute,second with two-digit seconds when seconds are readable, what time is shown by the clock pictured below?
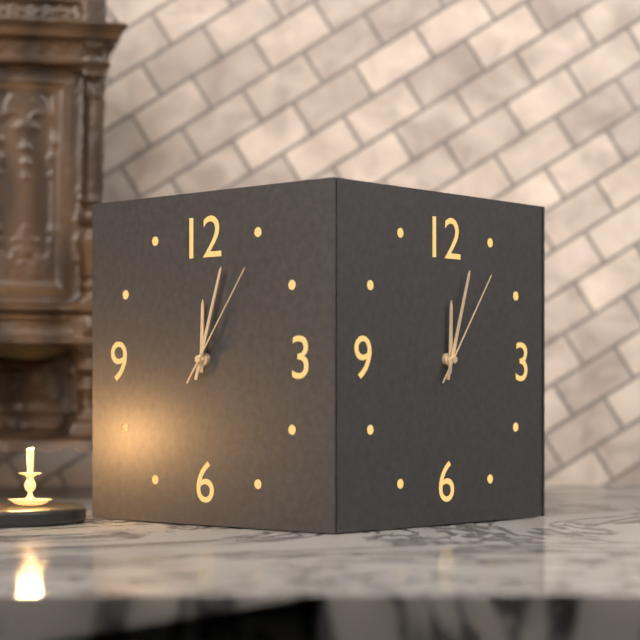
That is 12,03,06
